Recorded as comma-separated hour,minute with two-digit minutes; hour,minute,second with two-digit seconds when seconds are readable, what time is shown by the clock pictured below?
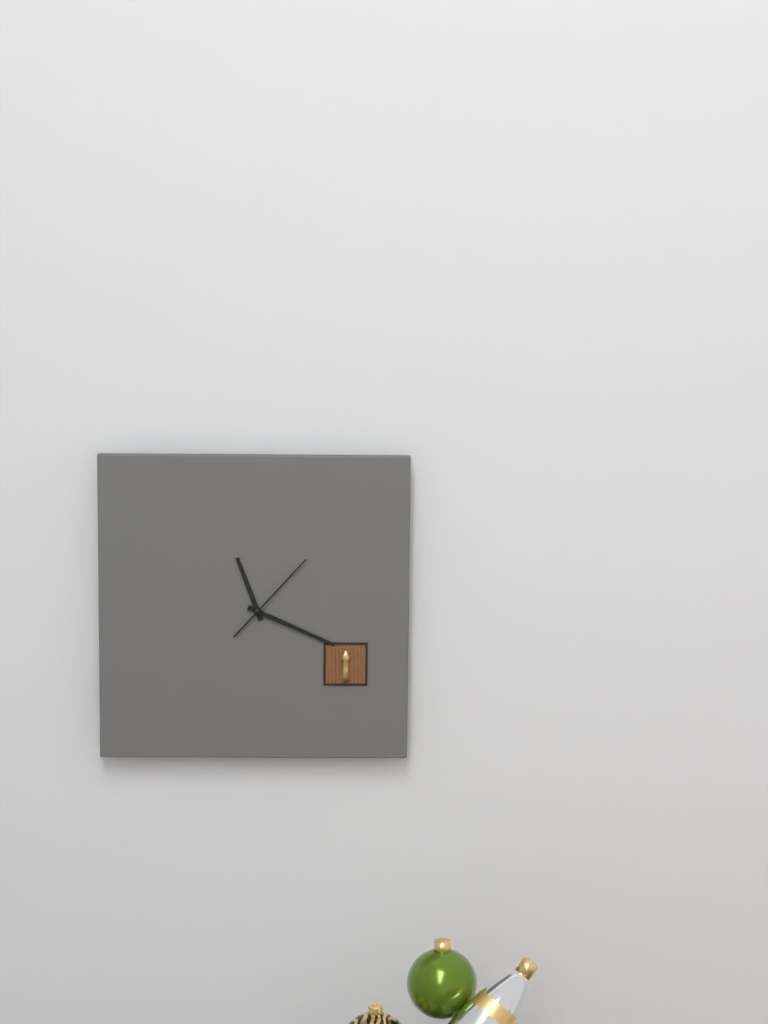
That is 11,19,07
